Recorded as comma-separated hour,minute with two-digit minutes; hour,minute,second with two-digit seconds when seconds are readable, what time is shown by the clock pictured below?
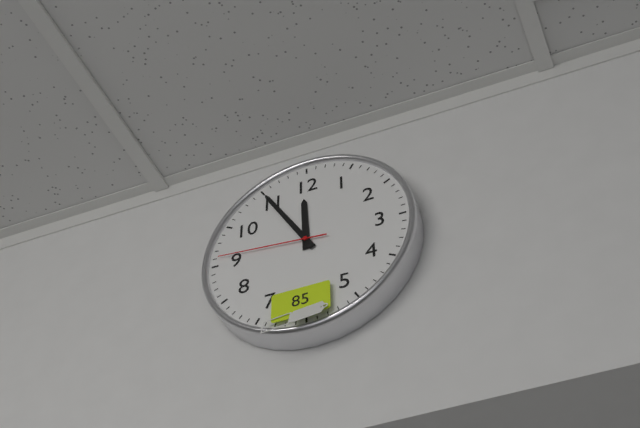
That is 11,55,46
